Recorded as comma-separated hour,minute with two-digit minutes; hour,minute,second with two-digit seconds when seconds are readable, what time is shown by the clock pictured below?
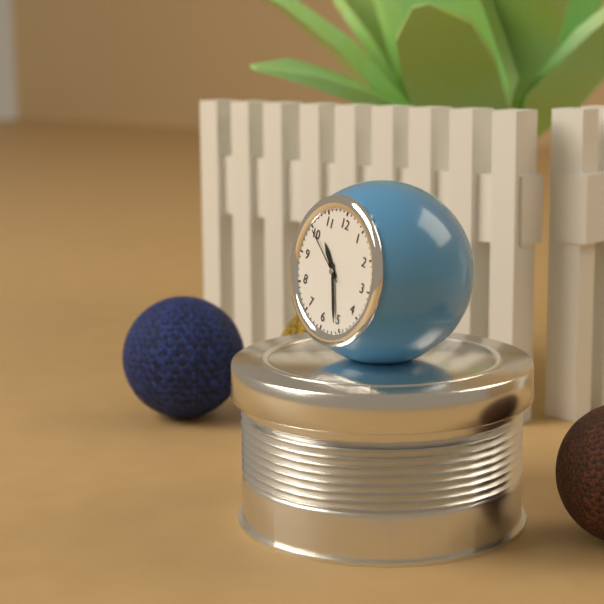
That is 10,26,50
